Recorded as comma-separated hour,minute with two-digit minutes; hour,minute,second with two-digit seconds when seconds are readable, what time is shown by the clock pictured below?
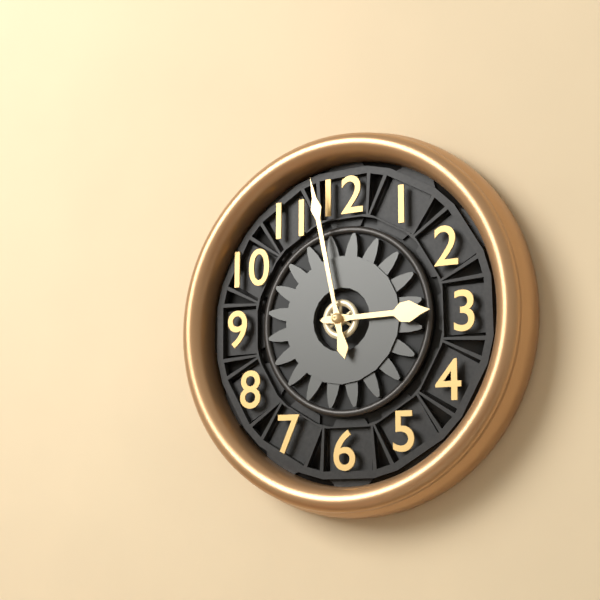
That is 2,58
